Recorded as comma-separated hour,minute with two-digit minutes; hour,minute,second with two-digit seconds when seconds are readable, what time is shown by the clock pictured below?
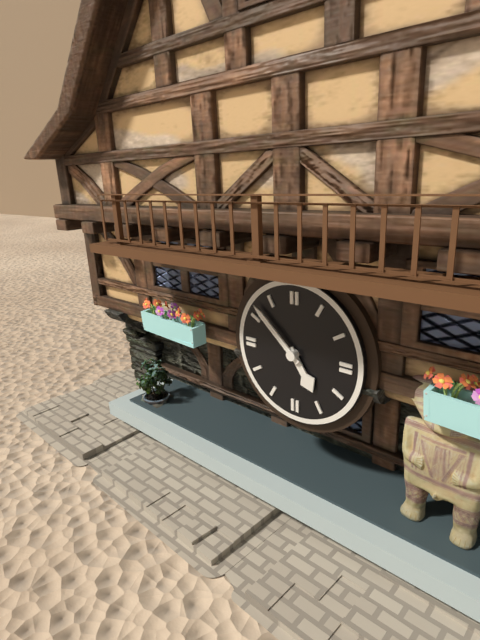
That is 4,52
